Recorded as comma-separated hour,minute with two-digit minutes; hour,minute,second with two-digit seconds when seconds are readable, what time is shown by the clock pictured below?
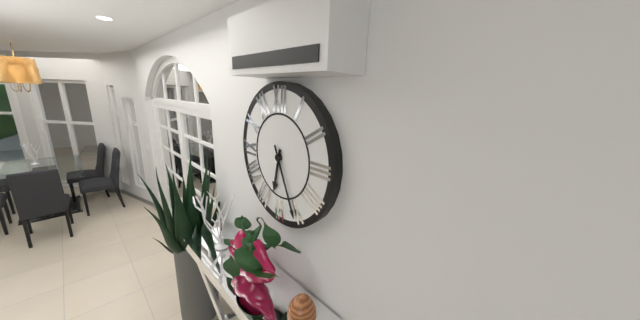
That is 6,26
